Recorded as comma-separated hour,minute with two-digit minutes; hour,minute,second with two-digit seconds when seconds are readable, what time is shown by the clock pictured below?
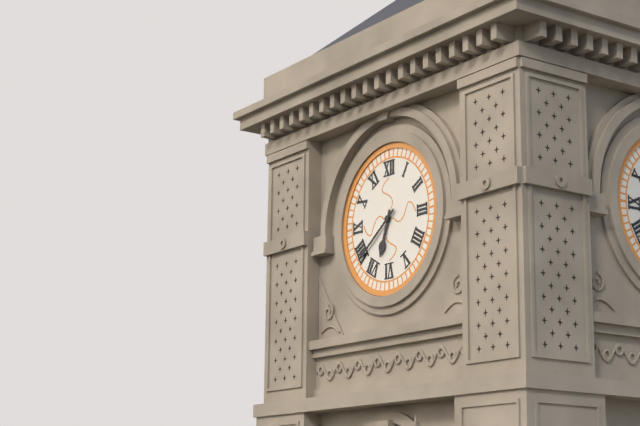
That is 6,39
